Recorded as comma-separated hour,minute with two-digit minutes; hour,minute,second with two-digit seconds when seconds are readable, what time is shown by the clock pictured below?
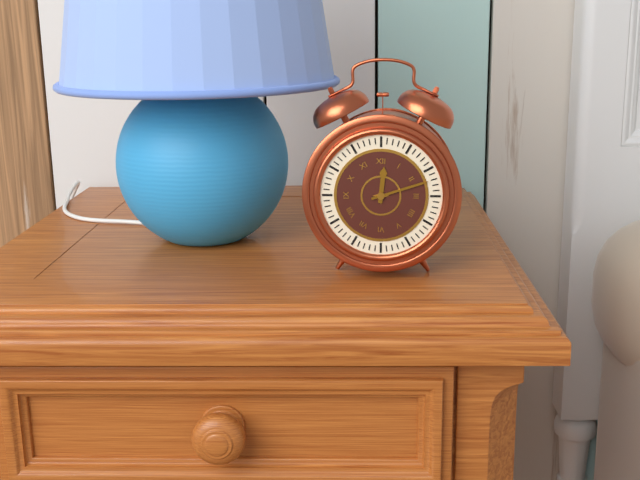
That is 12,12
